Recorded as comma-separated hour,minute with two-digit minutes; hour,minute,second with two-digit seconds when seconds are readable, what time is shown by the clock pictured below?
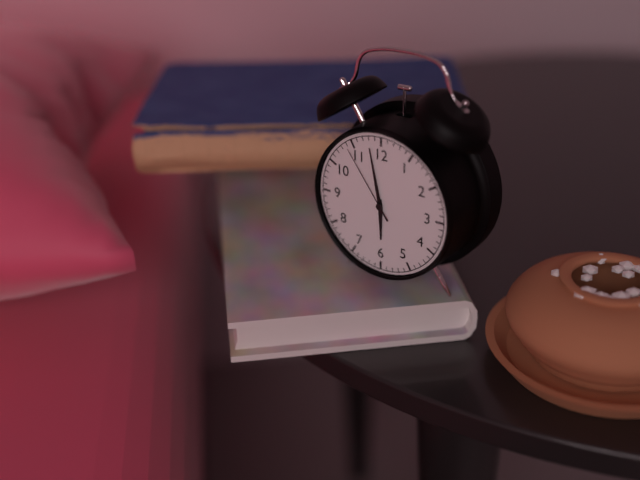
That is 5,58,54
